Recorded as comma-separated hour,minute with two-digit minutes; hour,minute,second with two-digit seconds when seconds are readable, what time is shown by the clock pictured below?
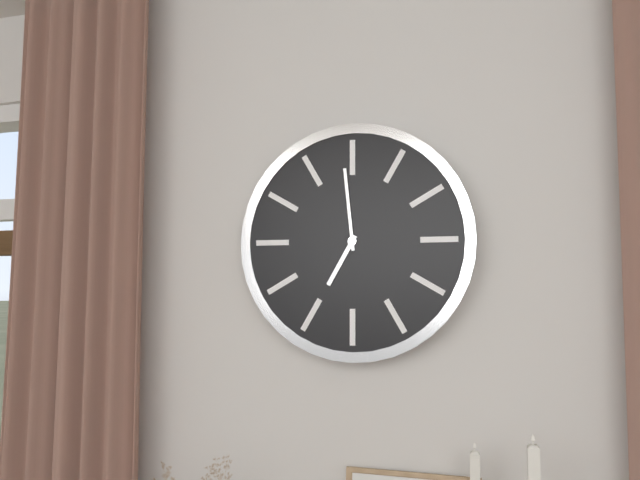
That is 6,59
